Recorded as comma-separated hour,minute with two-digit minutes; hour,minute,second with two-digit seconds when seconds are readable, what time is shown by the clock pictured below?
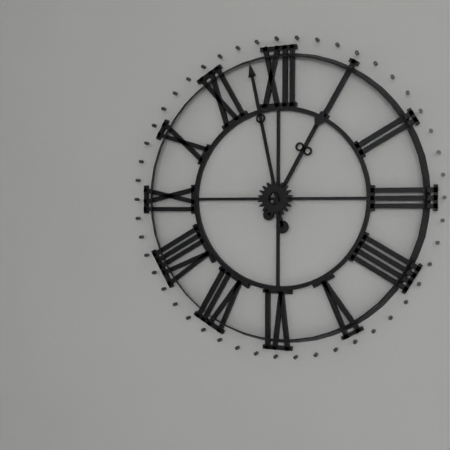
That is 12,58
